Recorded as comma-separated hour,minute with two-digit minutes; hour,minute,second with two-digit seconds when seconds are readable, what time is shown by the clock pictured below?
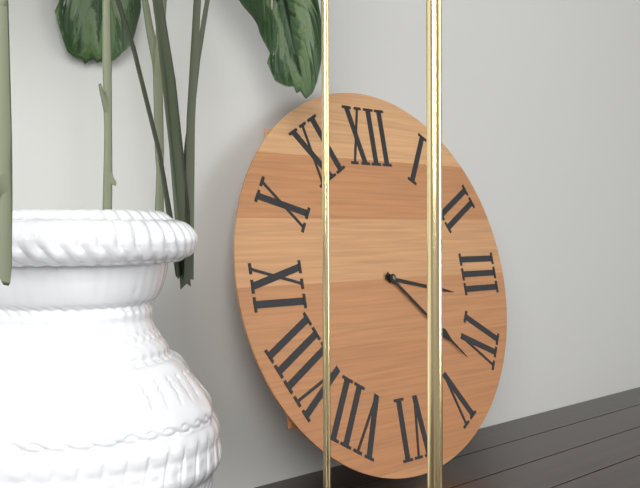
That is 3,22
